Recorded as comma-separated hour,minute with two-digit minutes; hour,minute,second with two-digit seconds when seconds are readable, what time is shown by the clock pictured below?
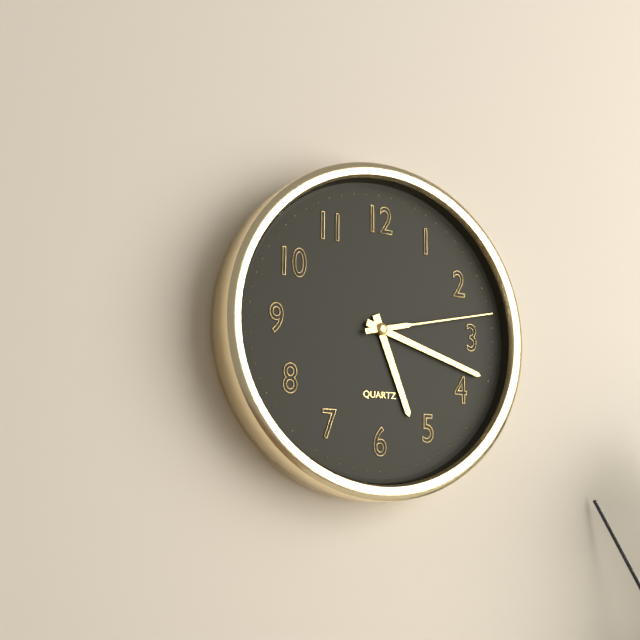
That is 5,18,13
